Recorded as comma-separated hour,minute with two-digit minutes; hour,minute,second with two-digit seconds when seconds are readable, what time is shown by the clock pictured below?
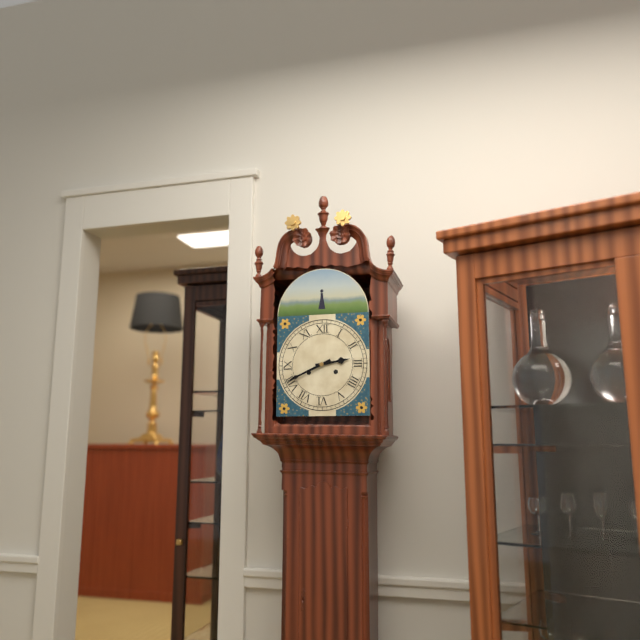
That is 2,41
